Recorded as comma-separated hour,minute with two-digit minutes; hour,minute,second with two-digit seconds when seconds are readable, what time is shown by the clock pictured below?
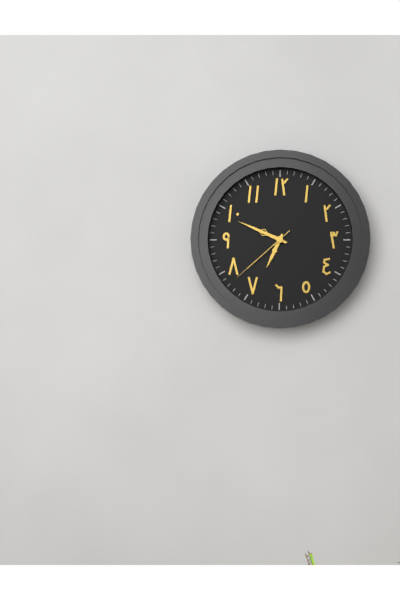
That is 6,49,38
